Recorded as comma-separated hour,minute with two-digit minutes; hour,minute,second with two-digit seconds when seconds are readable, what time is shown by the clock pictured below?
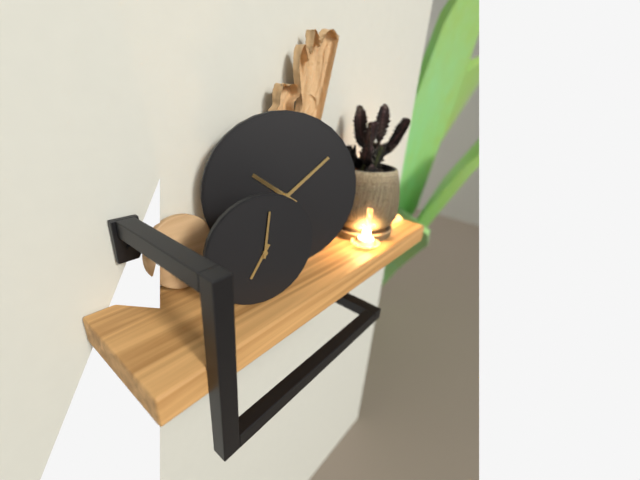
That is 7,01
